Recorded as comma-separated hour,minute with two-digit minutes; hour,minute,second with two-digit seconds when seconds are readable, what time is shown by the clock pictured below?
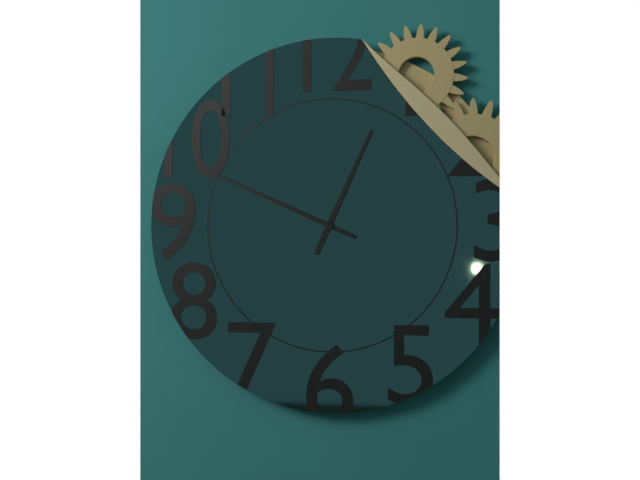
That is 12,49
